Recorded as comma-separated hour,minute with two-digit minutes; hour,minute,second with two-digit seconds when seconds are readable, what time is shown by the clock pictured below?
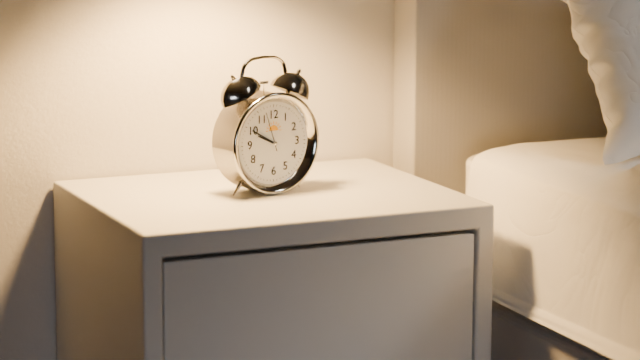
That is 9,50
